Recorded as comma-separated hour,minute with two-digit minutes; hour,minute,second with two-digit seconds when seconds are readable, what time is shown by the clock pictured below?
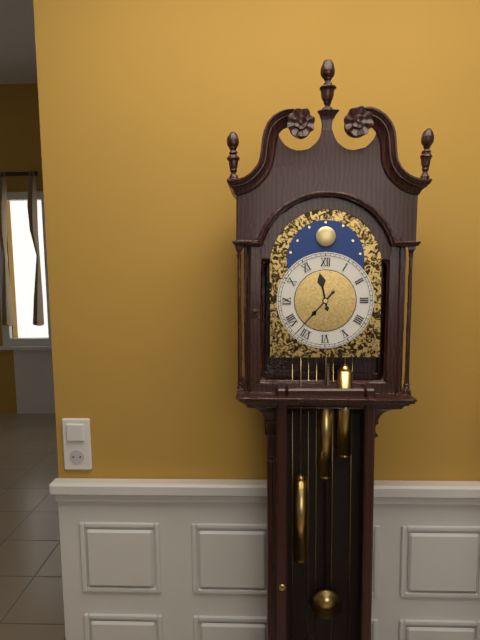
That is 11,37
